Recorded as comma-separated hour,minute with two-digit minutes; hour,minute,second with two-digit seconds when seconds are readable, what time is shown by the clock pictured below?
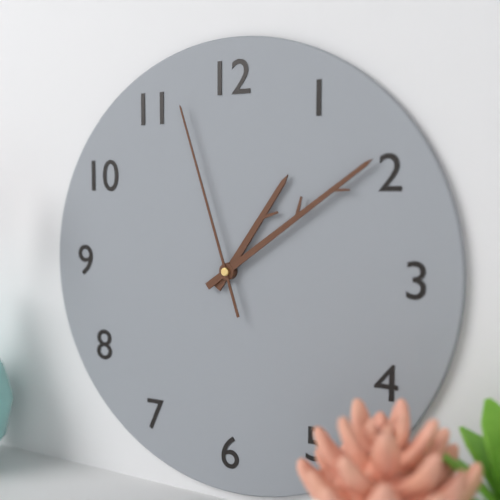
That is 1,09,57
